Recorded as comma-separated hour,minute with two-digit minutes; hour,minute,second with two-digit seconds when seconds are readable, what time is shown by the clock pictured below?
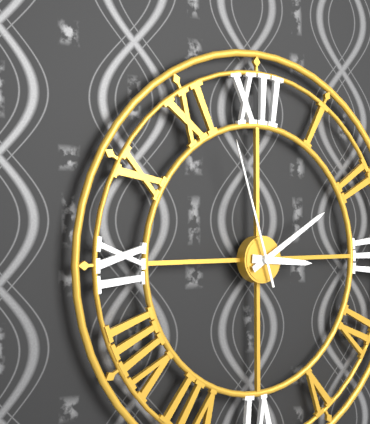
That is 3,10,57
